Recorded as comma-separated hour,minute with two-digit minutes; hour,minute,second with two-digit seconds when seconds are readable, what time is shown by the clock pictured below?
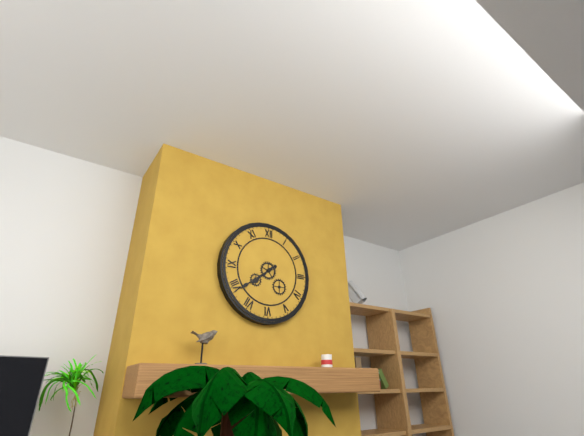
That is 7,39
